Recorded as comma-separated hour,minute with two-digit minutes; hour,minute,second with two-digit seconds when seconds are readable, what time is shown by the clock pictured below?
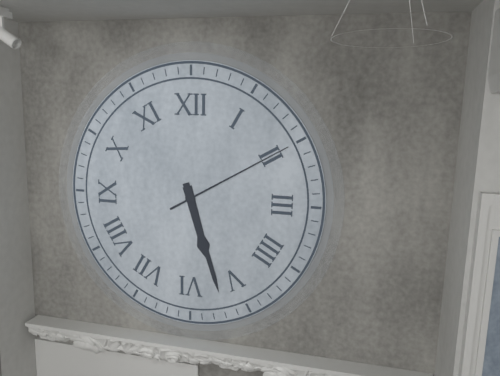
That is 5,27,10
